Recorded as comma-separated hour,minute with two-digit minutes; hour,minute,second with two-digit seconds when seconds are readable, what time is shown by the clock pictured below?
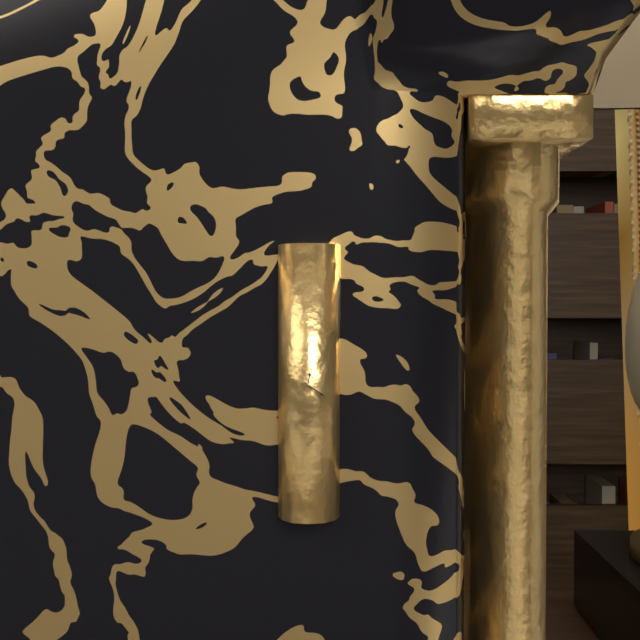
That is 12,21
